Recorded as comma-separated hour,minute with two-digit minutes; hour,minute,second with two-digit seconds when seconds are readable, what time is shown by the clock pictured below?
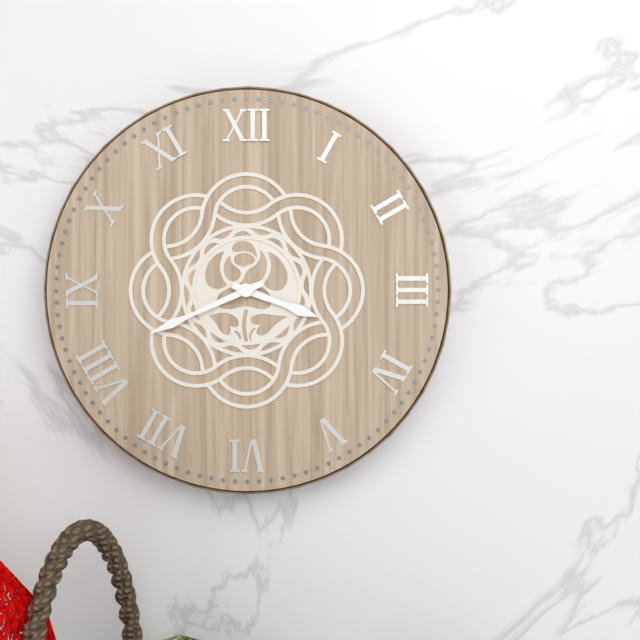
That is 3,41
